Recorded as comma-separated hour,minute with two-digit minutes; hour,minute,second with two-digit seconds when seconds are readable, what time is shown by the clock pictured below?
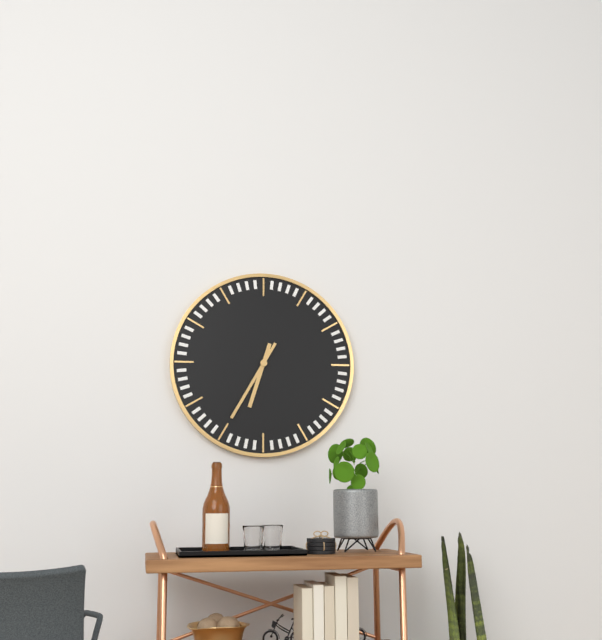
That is 6,35
